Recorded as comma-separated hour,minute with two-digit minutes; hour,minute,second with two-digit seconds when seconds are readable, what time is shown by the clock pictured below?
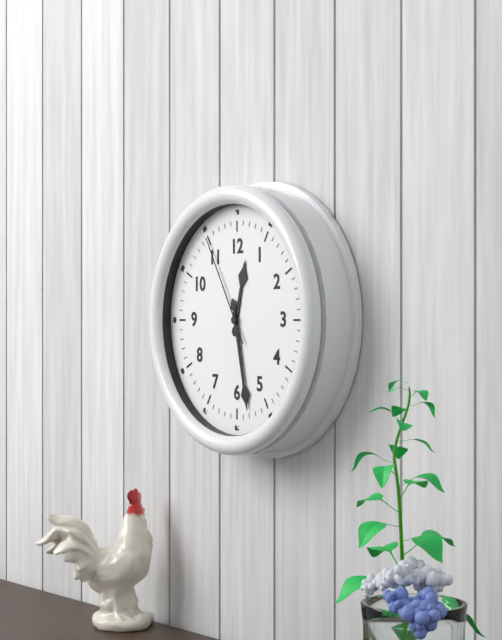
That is 12,28,55
